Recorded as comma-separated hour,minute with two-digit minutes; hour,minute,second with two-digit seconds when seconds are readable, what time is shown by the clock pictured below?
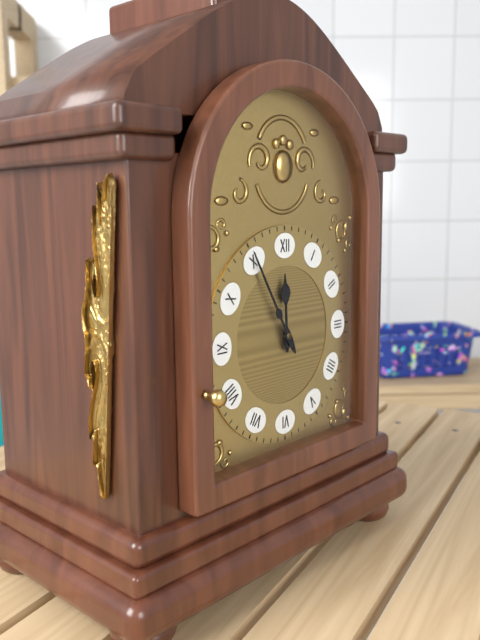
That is 11,55
